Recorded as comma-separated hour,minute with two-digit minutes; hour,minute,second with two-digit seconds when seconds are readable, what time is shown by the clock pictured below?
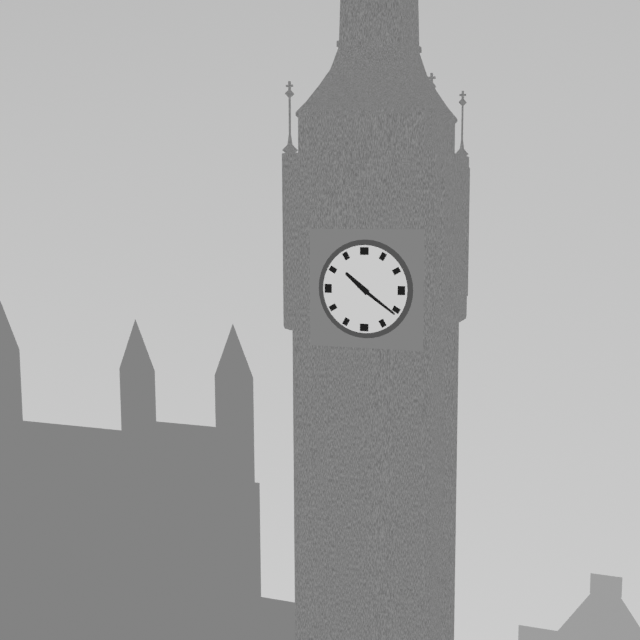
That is 10,21
